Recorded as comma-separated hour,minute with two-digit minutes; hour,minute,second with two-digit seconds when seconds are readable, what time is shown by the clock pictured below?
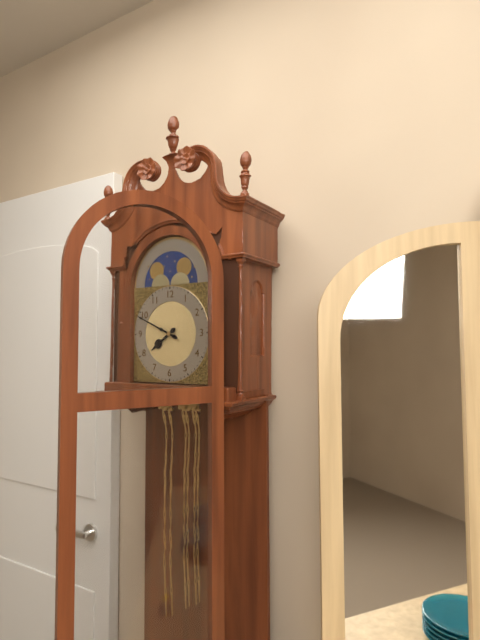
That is 7,49
